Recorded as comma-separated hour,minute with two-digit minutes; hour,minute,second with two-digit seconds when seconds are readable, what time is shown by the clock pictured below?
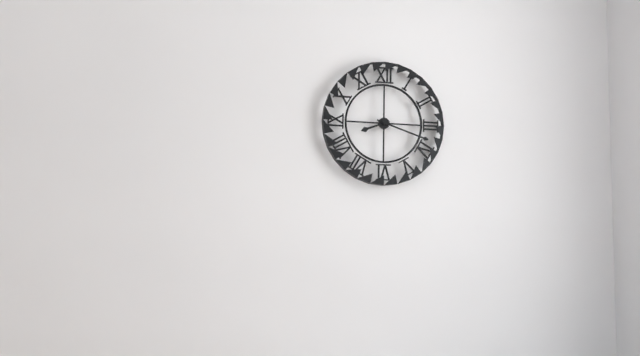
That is 8,18
